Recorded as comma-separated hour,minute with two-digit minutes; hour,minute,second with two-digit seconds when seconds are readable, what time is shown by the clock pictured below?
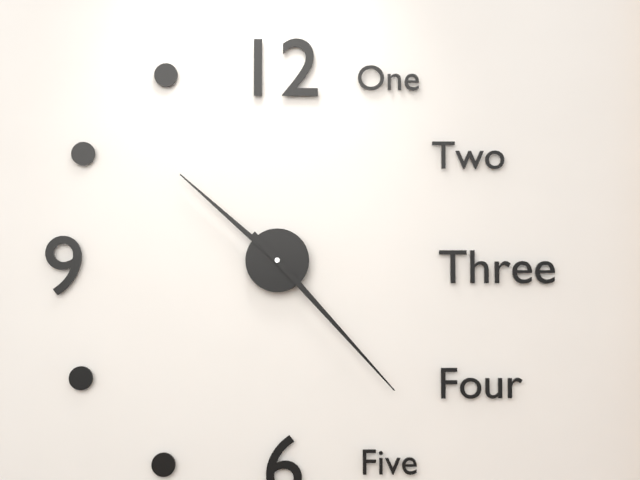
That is 10,23
